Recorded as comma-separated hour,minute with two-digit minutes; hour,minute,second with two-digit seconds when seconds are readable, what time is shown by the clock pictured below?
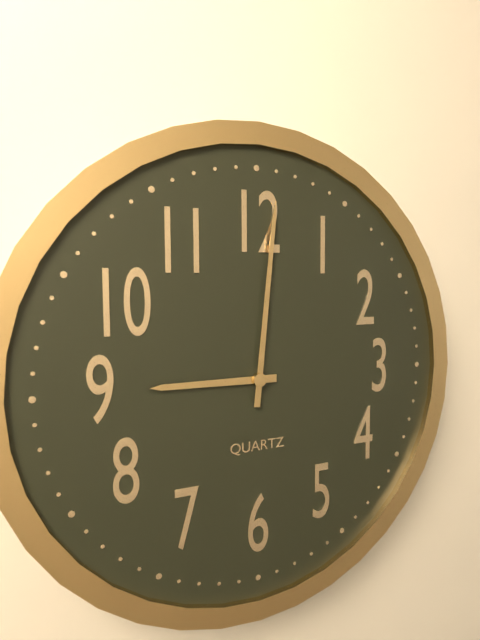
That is 9,01
